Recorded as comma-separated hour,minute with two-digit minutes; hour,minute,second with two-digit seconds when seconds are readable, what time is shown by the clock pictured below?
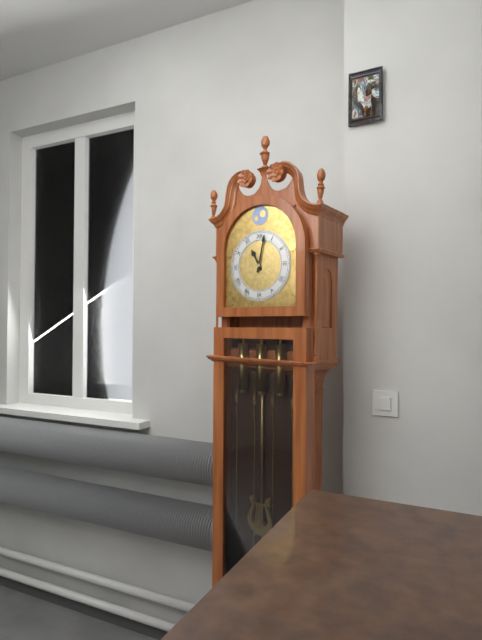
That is 11,02
